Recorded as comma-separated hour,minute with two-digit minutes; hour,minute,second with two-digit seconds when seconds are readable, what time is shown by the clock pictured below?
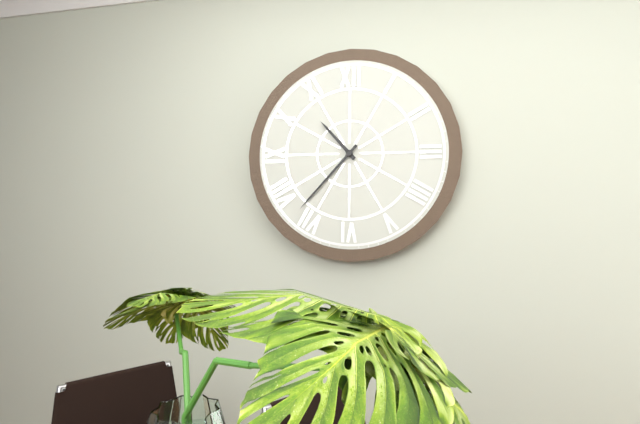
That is 10,37
